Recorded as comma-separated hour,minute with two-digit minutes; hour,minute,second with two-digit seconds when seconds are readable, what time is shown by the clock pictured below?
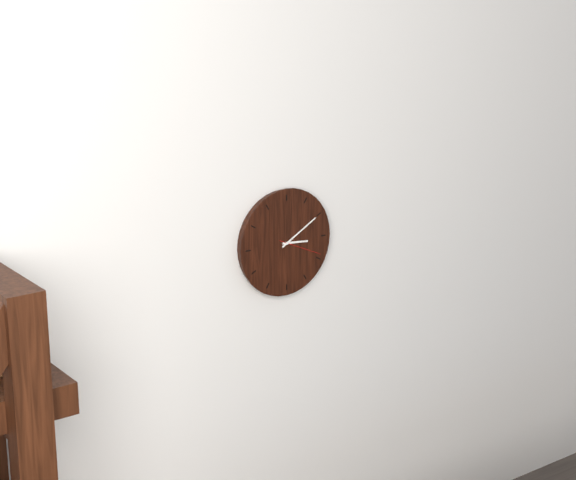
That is 3,10
